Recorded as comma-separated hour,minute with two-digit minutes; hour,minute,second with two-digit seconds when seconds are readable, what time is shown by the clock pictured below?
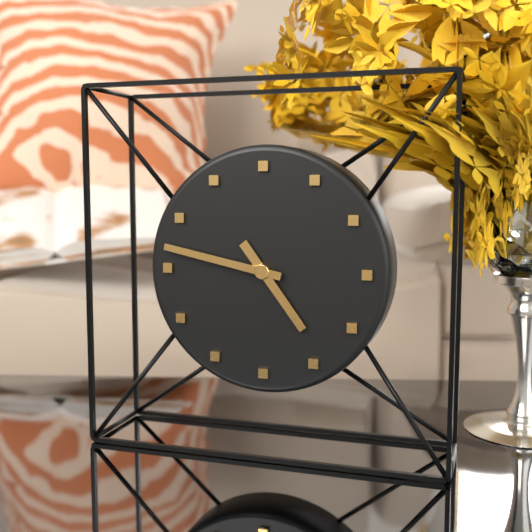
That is 4,47
